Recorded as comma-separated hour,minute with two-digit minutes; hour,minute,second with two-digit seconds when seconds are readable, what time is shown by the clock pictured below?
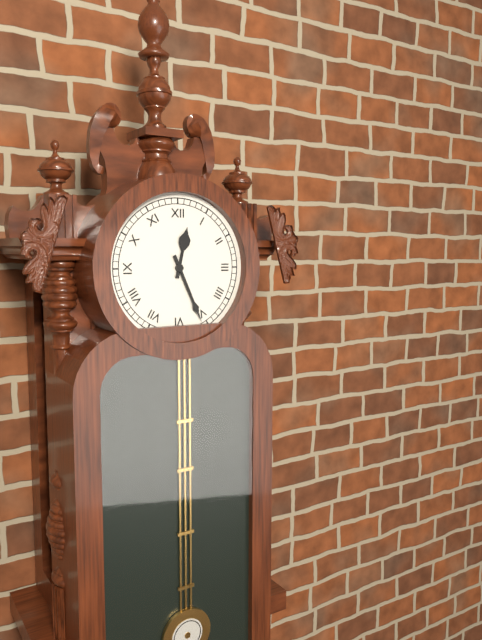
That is 12,26
